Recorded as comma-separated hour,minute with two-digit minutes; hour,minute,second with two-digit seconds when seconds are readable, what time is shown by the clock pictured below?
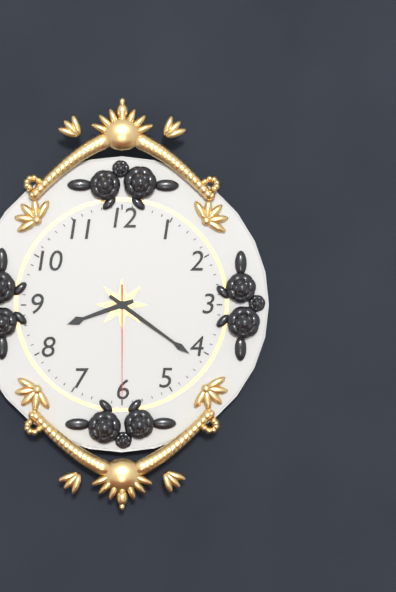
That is 8,21,30
